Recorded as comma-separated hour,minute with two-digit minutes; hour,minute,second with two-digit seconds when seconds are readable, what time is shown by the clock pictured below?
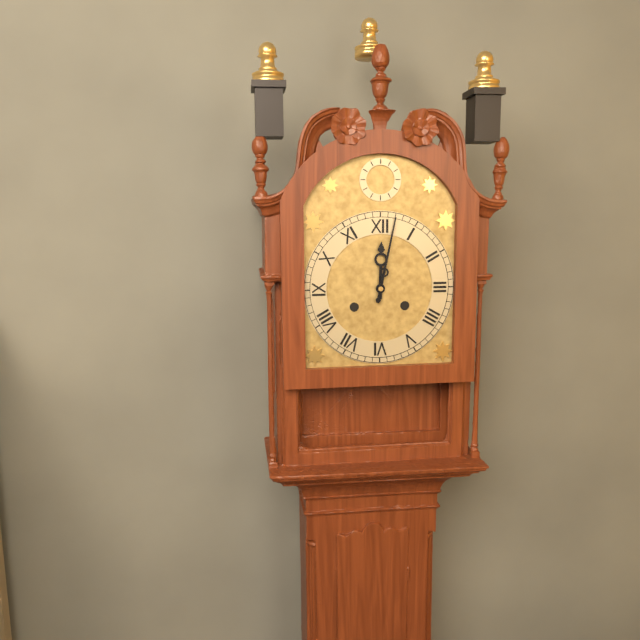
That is 12,02
